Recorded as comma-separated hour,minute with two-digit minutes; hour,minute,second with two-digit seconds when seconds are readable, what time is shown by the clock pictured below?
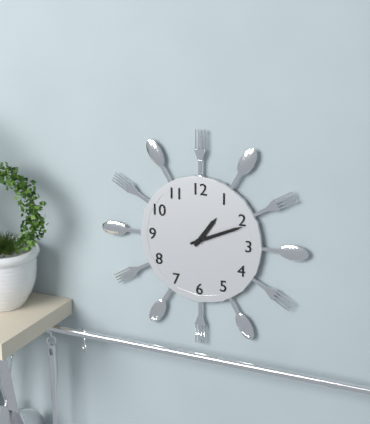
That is 1,11
